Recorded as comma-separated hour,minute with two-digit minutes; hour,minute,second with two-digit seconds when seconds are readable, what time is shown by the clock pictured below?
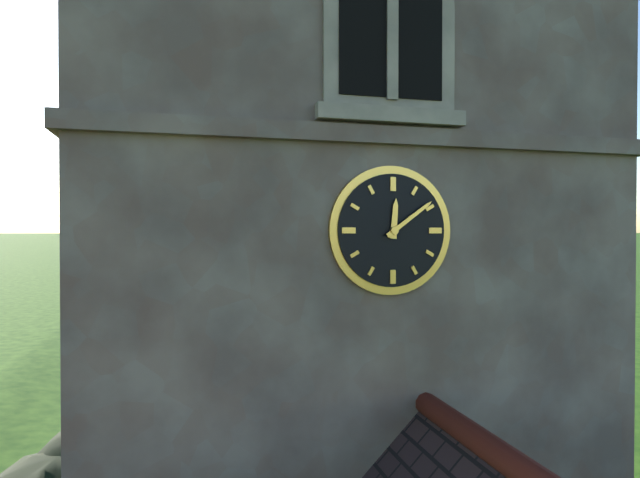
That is 12,09
